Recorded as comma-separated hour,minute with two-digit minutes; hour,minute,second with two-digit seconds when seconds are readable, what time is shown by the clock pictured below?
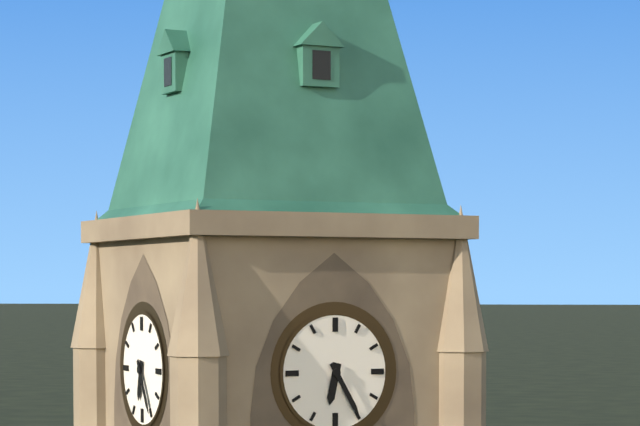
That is 6,25
